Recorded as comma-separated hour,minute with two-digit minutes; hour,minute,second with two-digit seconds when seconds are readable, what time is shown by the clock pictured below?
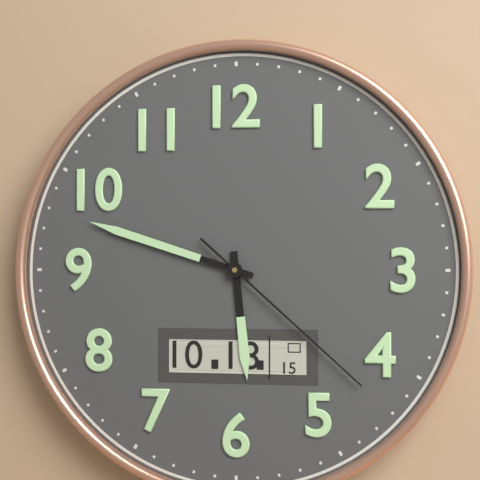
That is 5,48,22
